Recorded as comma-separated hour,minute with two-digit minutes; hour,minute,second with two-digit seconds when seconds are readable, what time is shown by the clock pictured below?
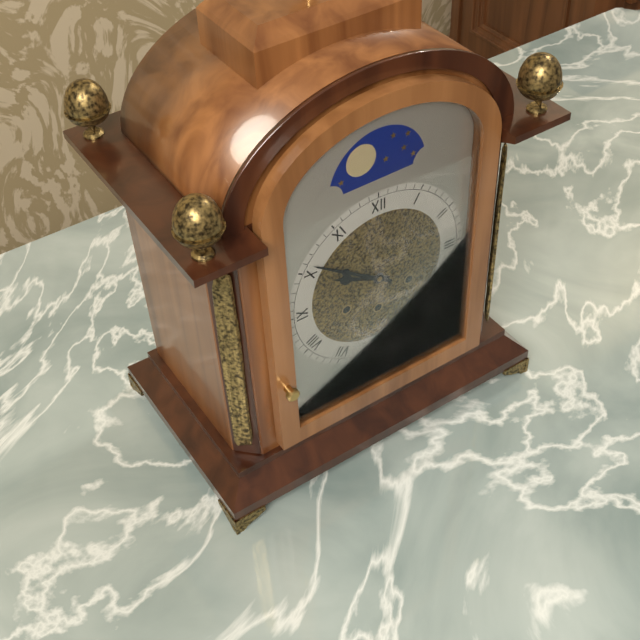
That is 9,51
